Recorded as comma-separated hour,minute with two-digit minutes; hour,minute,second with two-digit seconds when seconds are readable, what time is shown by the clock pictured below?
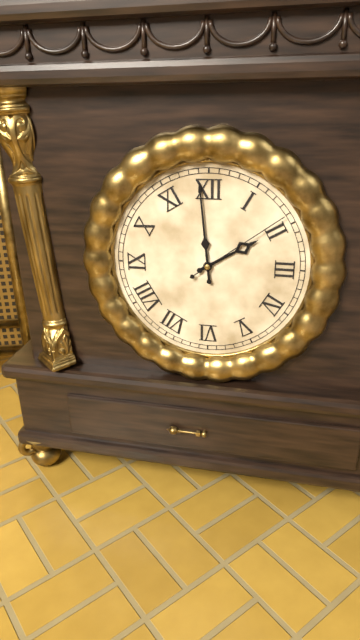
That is 1,59,09
